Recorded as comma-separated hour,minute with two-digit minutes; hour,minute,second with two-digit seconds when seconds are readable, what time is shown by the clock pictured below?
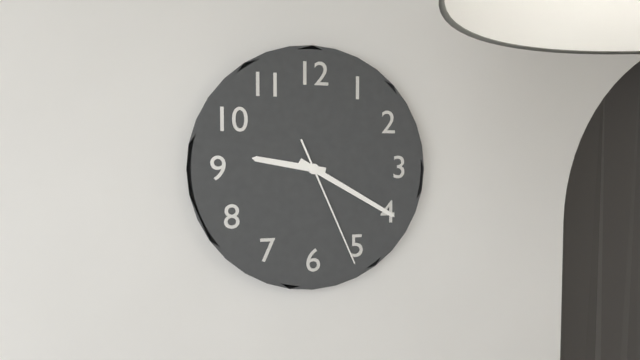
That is 9,20,26
